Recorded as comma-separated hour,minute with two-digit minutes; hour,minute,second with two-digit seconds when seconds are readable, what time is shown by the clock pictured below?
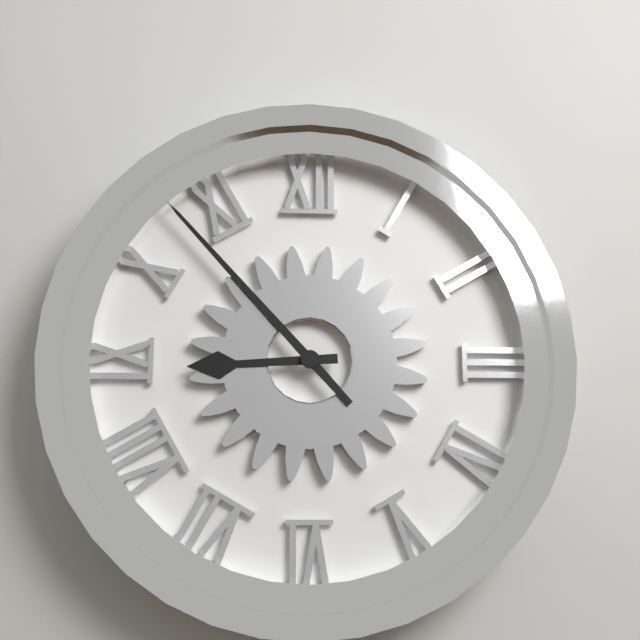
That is 8,53
